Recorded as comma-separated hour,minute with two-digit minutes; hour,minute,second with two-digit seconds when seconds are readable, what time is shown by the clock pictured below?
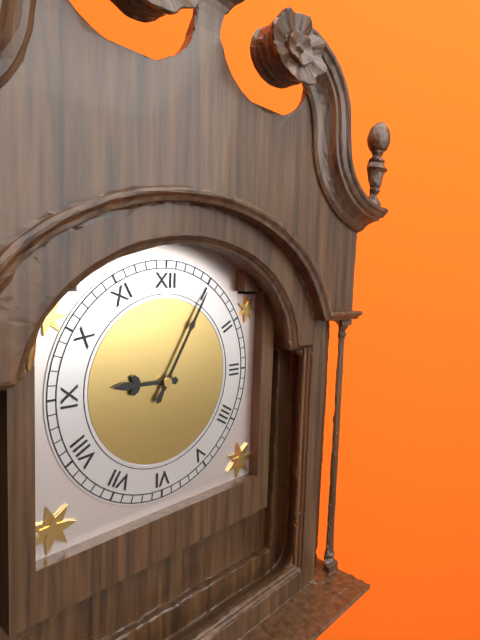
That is 9,05
